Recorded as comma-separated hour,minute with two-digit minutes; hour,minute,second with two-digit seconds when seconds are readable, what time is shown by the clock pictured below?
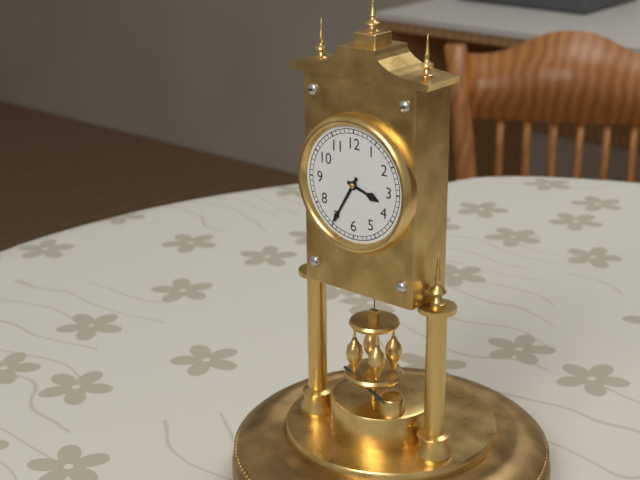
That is 3,35
